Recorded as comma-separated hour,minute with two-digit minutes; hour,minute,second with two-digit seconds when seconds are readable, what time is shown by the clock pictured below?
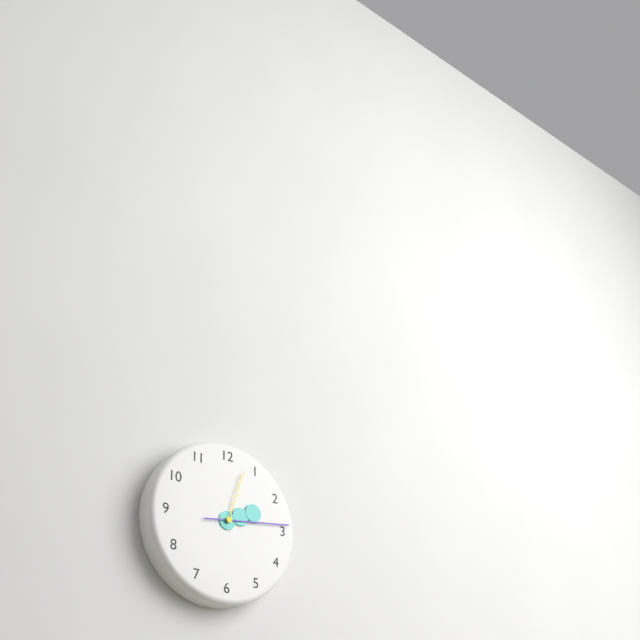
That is 2,14,03
